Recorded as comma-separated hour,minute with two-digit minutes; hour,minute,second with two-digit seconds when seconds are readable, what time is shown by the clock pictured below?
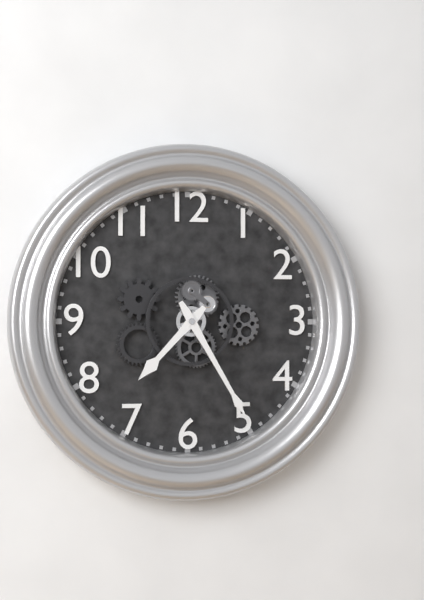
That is 7,25
